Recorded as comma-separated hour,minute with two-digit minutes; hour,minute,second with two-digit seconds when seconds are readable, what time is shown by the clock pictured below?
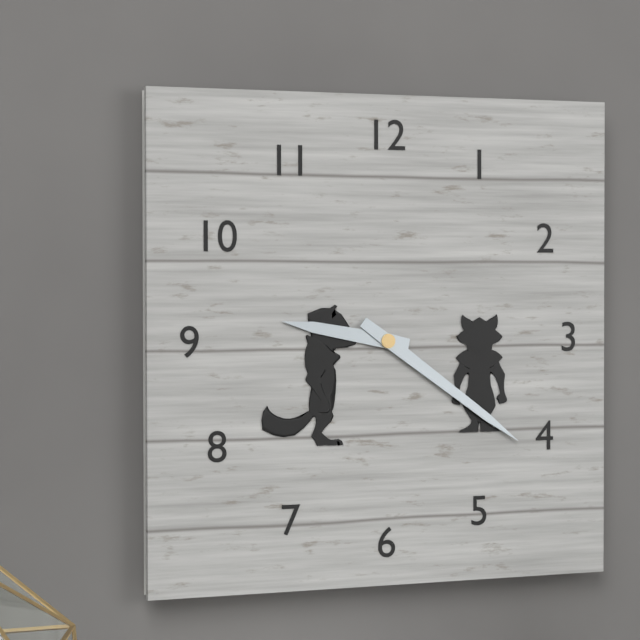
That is 9,21
